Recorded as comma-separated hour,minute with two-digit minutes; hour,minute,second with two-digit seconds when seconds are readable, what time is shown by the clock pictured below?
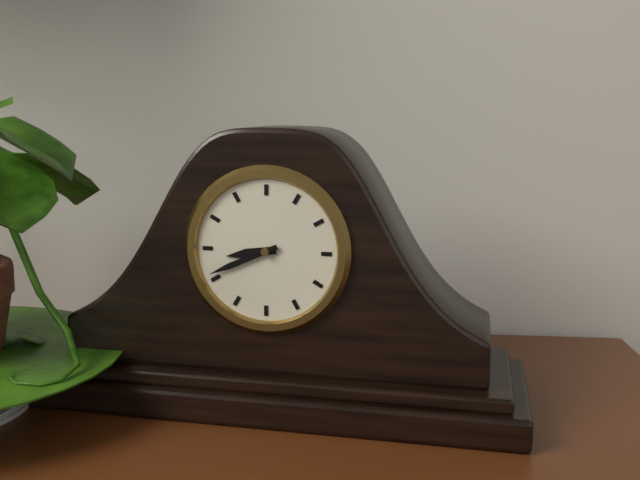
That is 8,41
